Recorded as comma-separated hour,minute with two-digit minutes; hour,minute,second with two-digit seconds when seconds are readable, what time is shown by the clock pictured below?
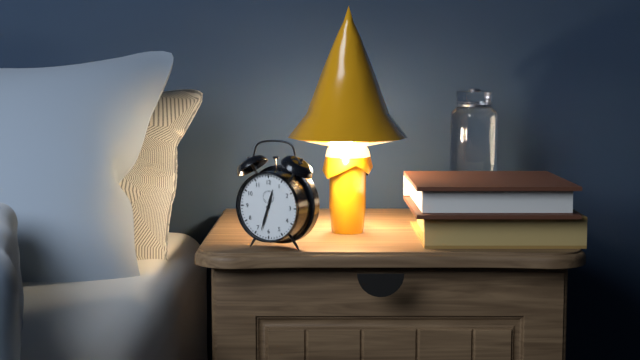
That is 12,33
